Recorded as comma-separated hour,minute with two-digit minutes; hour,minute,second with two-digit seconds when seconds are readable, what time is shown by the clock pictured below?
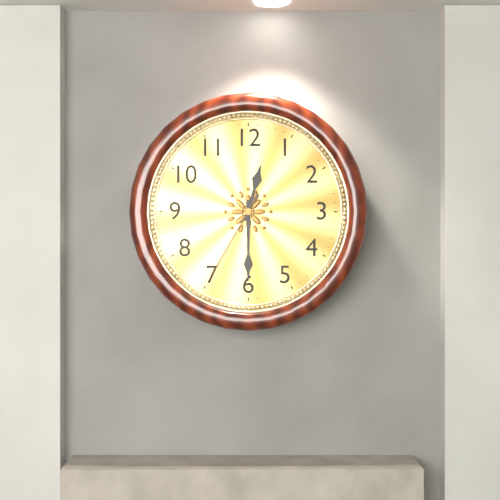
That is 12,30,35
